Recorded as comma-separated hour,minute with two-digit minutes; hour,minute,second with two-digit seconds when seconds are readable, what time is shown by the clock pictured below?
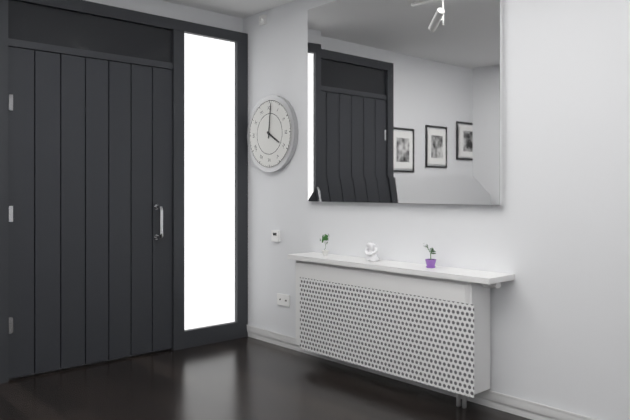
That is 4,01
